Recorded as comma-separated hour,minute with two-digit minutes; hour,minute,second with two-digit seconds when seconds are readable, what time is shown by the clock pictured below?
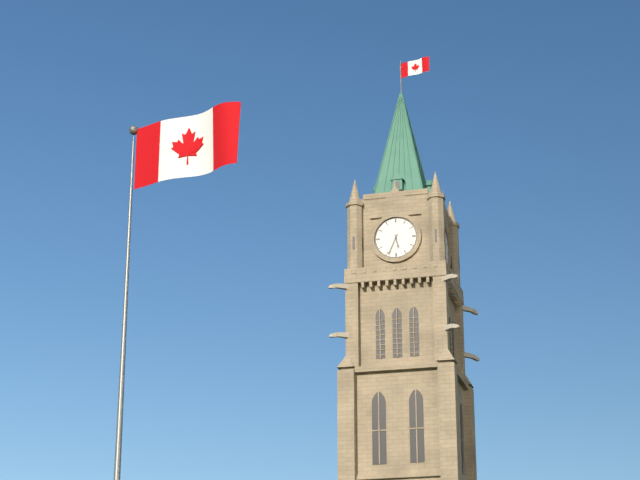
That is 5,34
